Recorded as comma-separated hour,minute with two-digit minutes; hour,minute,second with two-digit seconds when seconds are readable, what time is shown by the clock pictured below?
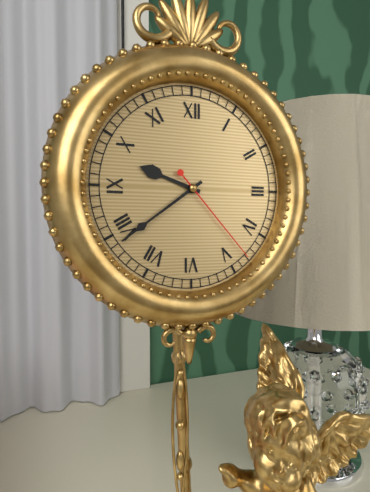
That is 9,39,23
